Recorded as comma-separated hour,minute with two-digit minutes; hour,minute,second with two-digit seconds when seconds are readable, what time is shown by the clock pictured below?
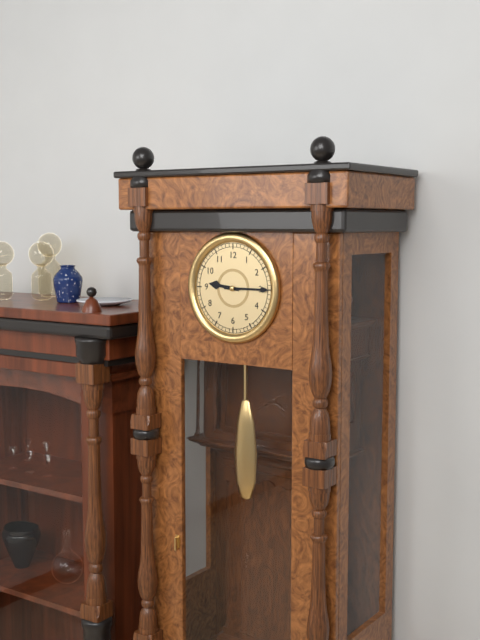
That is 9,15
